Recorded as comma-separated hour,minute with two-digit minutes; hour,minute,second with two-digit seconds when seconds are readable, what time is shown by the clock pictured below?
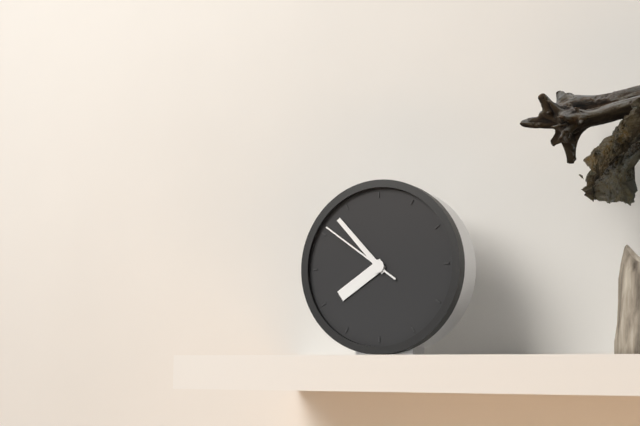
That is 7,53,51
